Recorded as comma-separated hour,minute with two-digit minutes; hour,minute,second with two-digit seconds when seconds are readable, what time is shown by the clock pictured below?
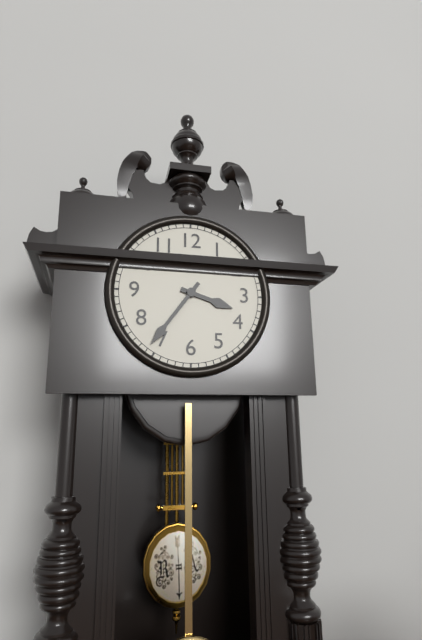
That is 3,36
